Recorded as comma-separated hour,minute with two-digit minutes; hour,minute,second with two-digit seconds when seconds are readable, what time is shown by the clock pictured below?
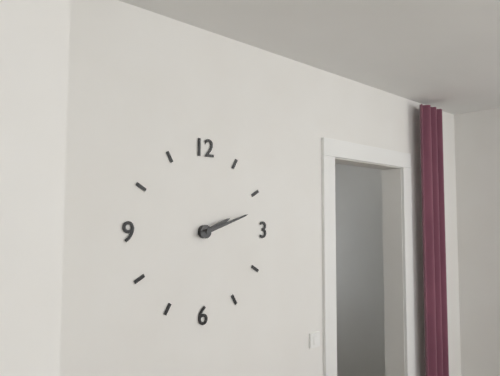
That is 2,12
